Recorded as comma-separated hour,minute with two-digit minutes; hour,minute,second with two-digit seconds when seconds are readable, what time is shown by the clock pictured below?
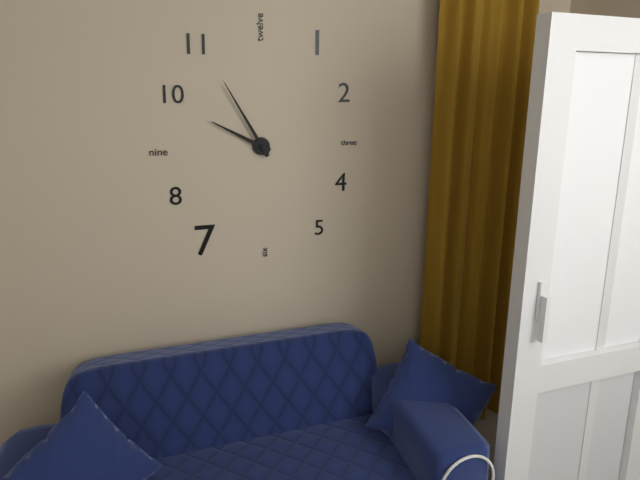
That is 9,55
